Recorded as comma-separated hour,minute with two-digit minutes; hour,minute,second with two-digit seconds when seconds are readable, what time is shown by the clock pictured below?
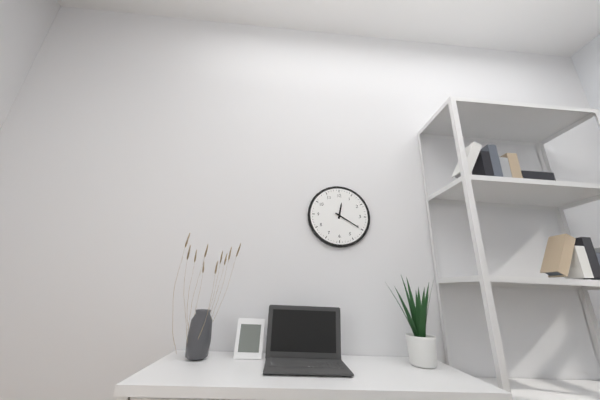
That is 12,20
